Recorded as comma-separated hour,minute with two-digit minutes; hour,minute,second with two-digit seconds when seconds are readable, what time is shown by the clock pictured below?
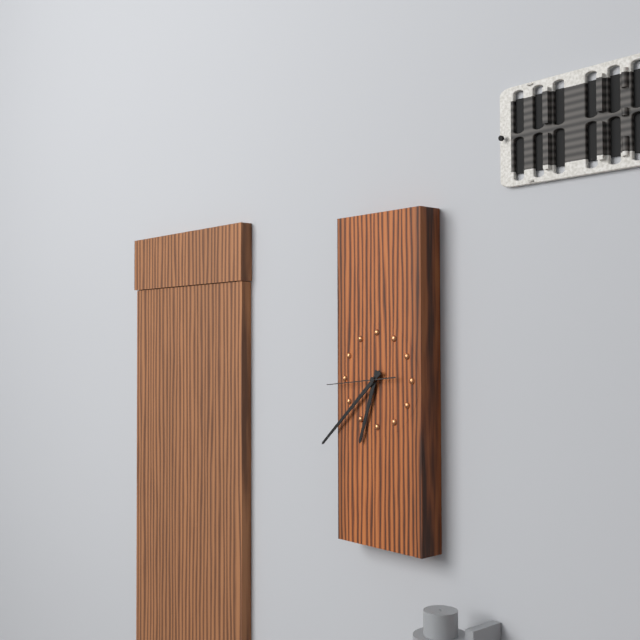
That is 6,38,44
